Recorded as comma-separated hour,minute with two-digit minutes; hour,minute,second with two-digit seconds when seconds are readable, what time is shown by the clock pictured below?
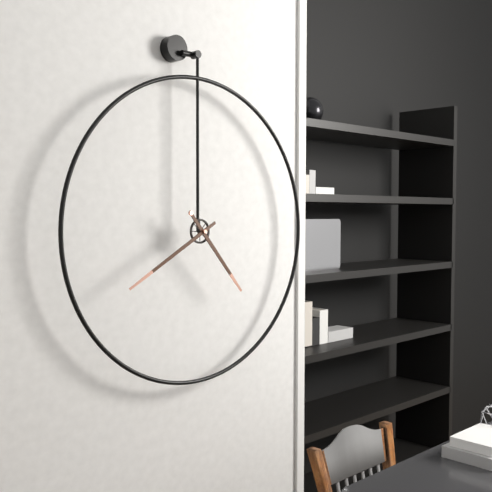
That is 4,40
